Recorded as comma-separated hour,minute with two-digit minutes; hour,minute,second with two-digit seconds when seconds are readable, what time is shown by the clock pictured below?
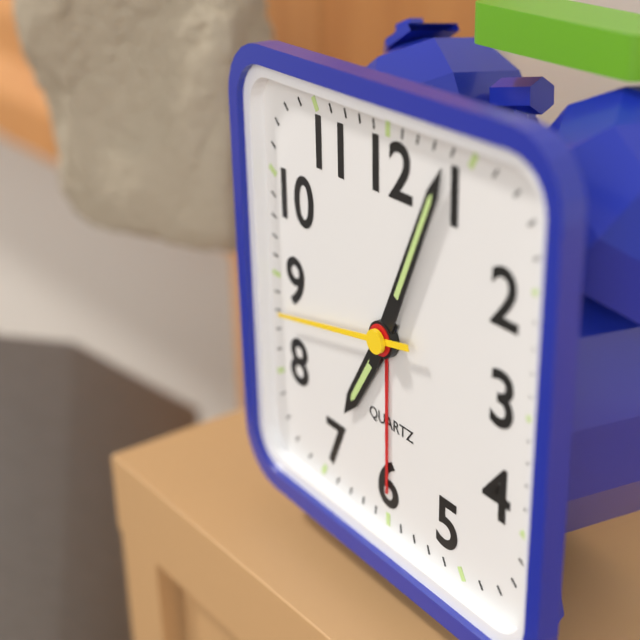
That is 7,04,43
